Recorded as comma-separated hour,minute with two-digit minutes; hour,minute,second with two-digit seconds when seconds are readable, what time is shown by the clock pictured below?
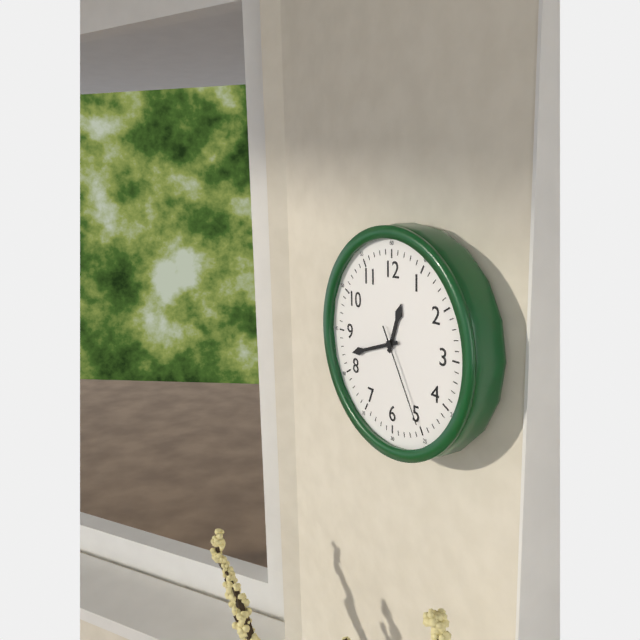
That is 12,42,25
